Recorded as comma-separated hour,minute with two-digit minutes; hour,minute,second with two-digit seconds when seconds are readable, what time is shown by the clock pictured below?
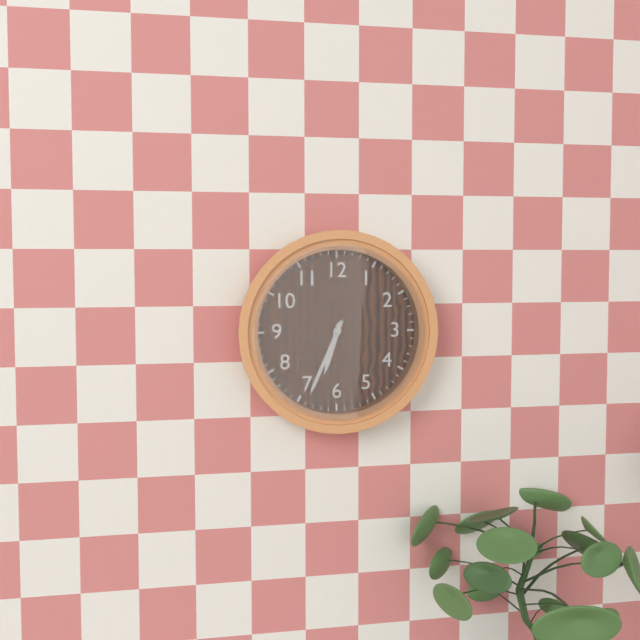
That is 6,34
